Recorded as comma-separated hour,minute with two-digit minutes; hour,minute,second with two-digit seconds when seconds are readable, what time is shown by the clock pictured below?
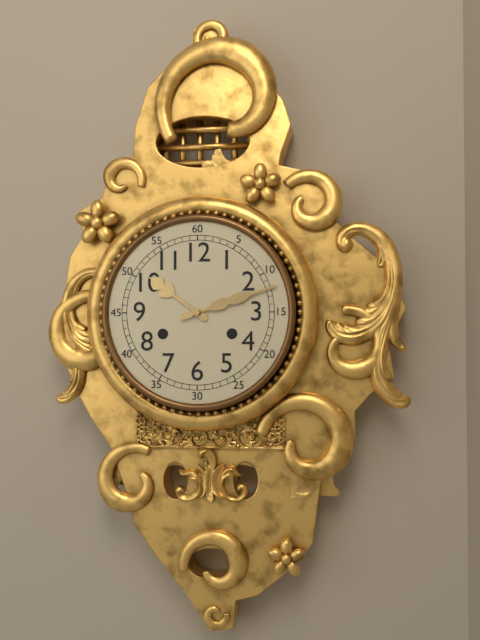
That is 10,12
